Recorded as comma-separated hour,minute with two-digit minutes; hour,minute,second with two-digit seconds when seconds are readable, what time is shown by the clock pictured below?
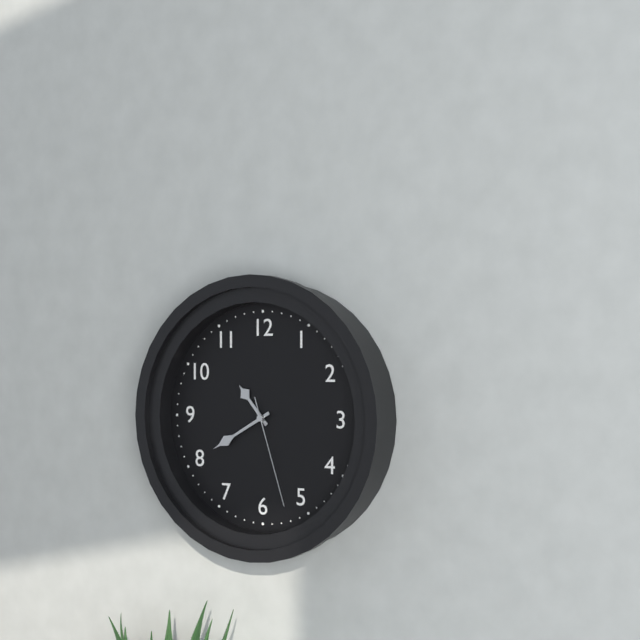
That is 10,40,27
